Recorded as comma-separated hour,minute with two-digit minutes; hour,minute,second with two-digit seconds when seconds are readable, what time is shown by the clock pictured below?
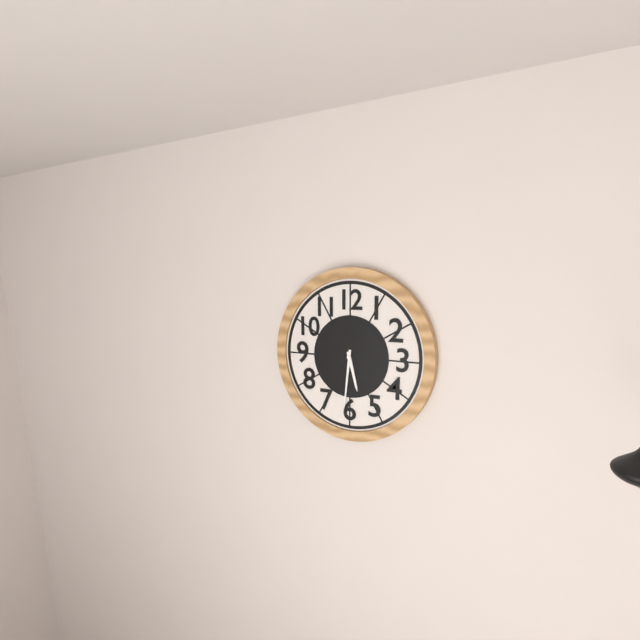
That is 5,31
